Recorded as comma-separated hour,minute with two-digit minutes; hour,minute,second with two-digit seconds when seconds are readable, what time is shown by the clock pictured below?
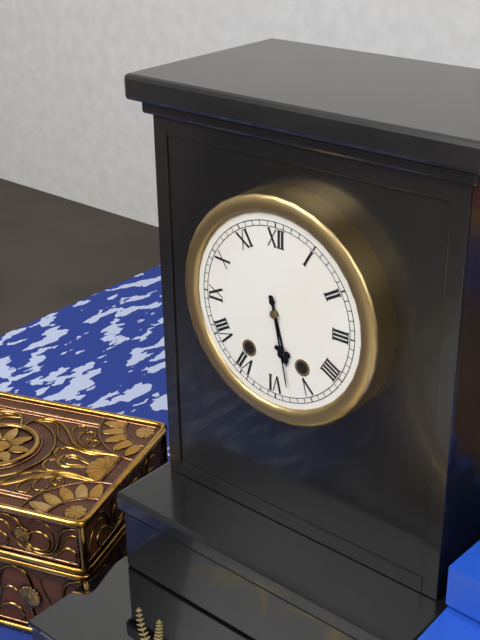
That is 5,28
